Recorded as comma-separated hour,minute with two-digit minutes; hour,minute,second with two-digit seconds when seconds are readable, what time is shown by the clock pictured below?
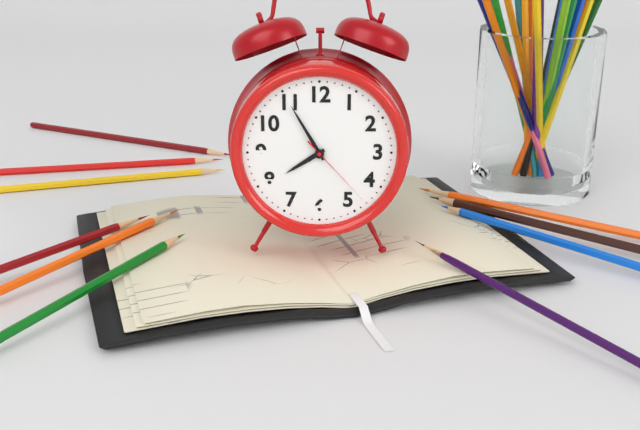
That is 7,55,23
